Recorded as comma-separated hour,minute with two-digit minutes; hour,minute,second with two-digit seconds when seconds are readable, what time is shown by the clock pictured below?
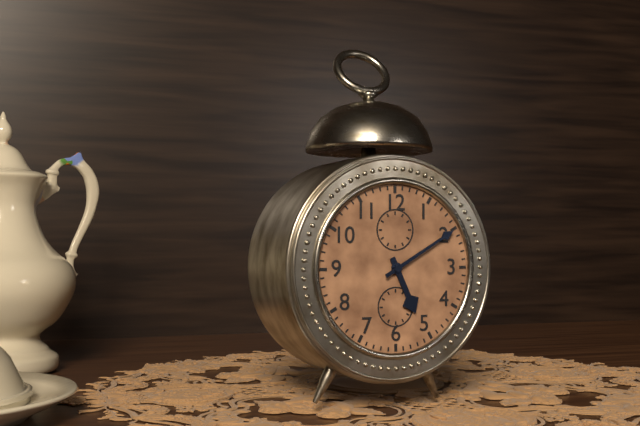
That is 5,10
